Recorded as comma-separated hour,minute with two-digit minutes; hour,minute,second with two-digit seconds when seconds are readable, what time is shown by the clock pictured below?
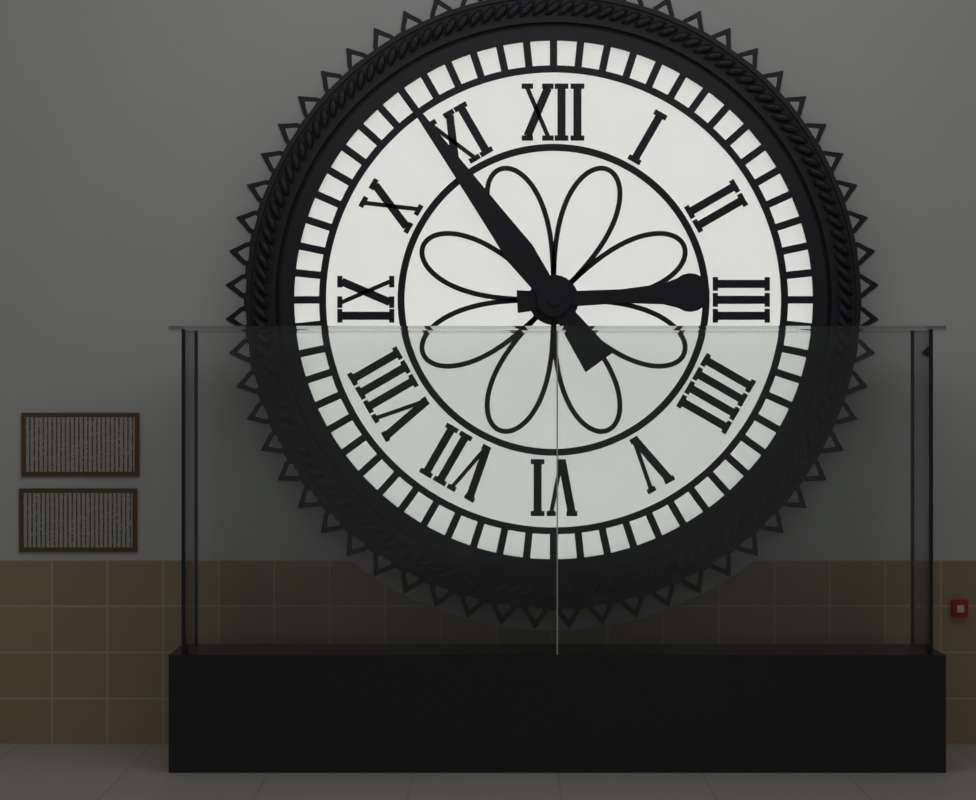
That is 2,54
